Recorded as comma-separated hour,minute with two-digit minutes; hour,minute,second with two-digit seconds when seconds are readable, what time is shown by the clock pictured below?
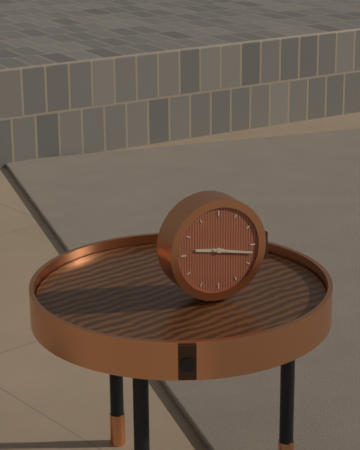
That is 9,17
